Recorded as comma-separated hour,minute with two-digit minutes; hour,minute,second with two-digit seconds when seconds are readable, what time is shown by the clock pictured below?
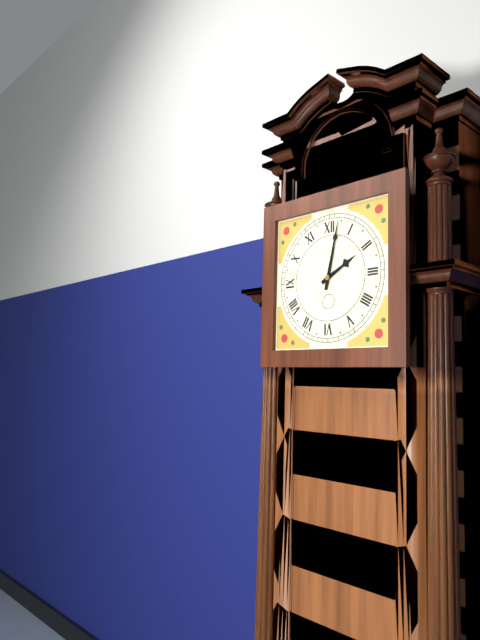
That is 2,02
